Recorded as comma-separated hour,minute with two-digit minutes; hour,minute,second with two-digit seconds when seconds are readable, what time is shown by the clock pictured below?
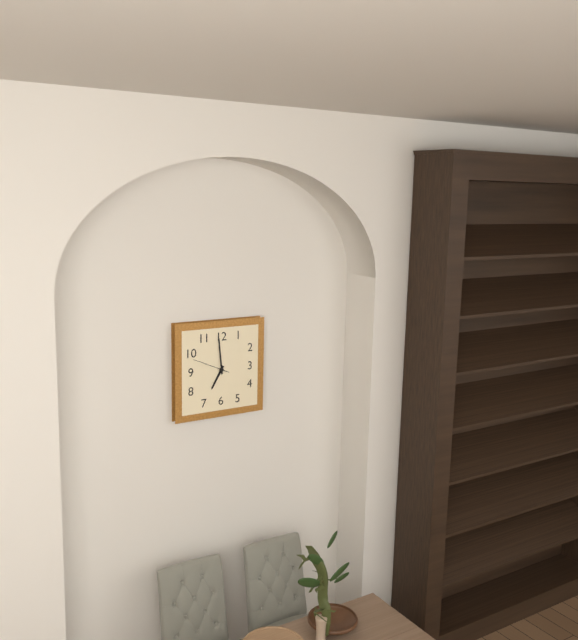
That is 6,59
